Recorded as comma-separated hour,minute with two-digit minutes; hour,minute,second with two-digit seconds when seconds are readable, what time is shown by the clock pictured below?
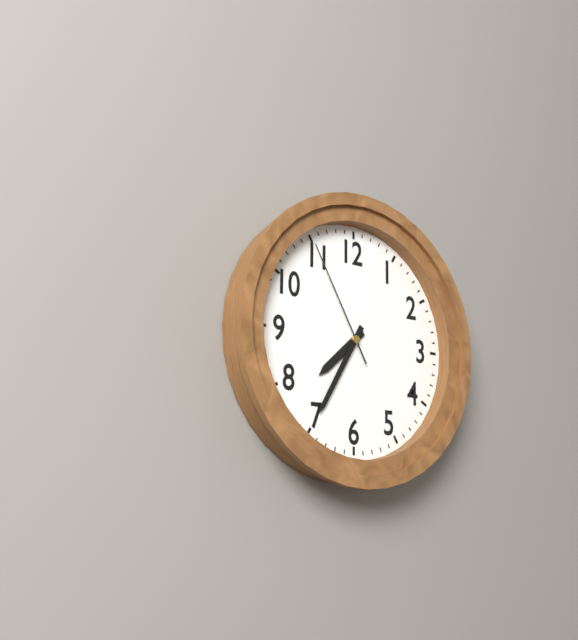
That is 7,35,55
